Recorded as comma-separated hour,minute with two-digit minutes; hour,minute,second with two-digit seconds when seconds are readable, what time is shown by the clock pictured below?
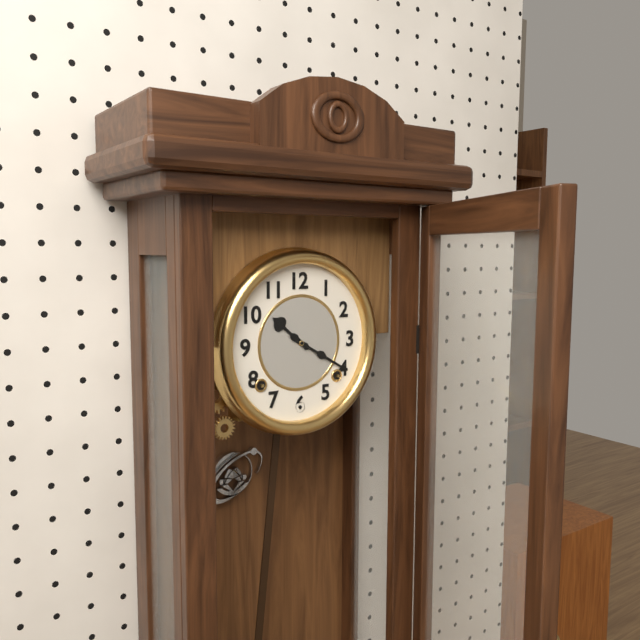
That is 10,20
